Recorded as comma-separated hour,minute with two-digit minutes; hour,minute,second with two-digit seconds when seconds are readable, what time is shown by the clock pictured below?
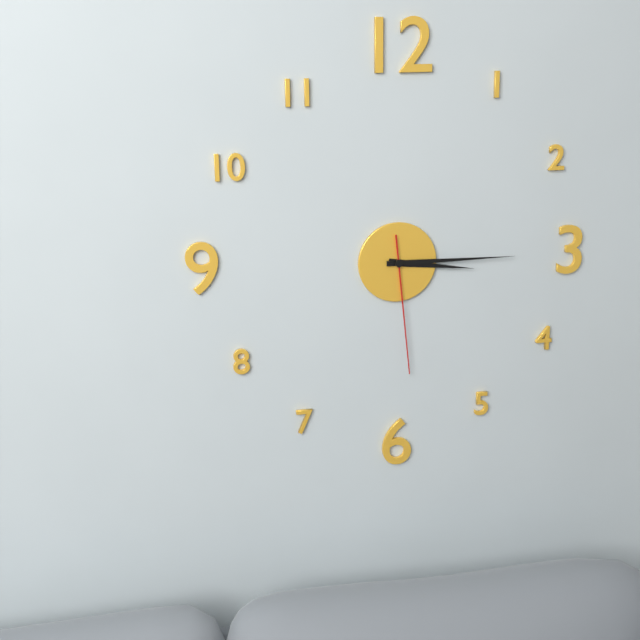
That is 3,15,29
